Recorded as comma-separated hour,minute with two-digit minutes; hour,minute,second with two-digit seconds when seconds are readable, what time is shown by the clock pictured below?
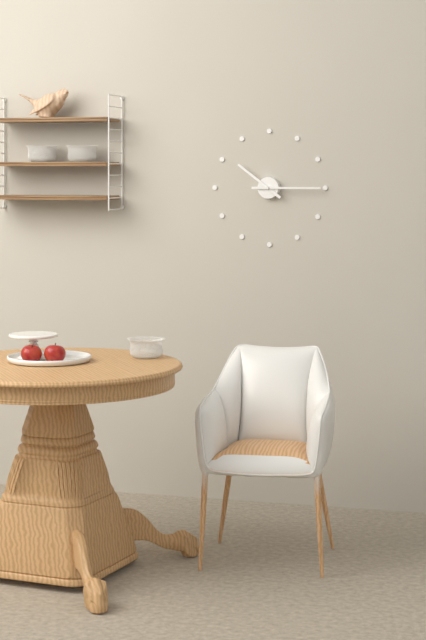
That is 10,15
